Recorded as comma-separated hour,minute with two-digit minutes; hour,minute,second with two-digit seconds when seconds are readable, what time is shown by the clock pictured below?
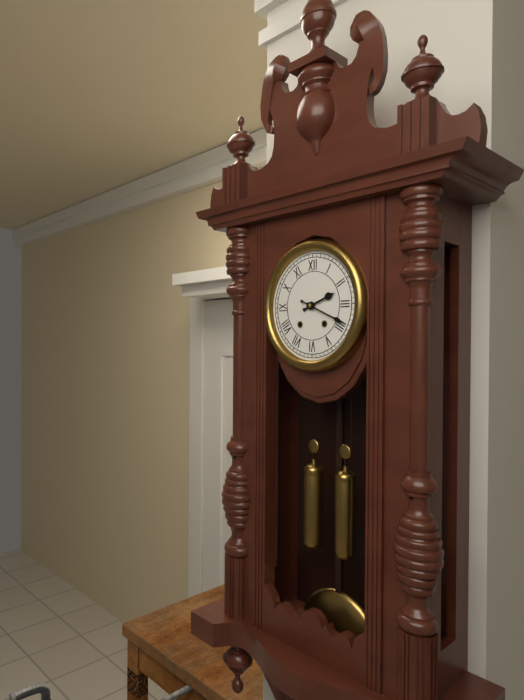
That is 2,19
